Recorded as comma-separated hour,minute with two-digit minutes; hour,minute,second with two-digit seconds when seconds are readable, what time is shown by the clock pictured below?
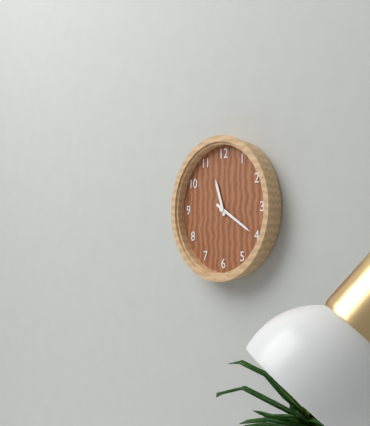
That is 11,20
